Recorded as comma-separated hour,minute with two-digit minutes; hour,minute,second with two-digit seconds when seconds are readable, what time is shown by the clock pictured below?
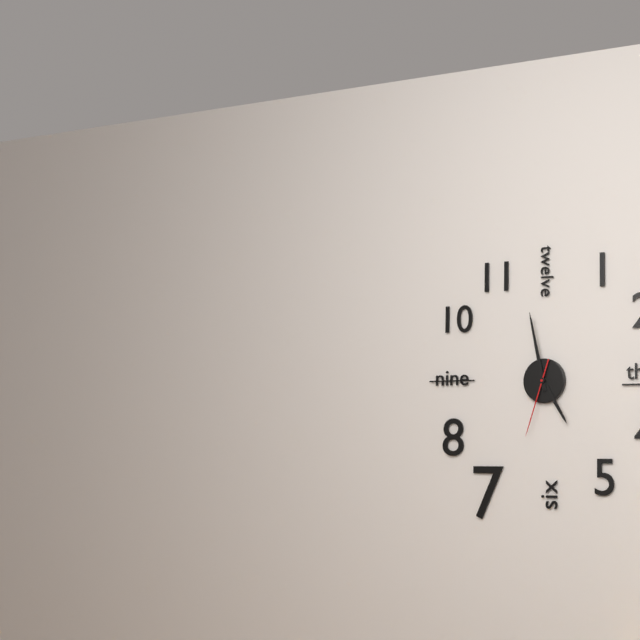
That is 4,58,33
